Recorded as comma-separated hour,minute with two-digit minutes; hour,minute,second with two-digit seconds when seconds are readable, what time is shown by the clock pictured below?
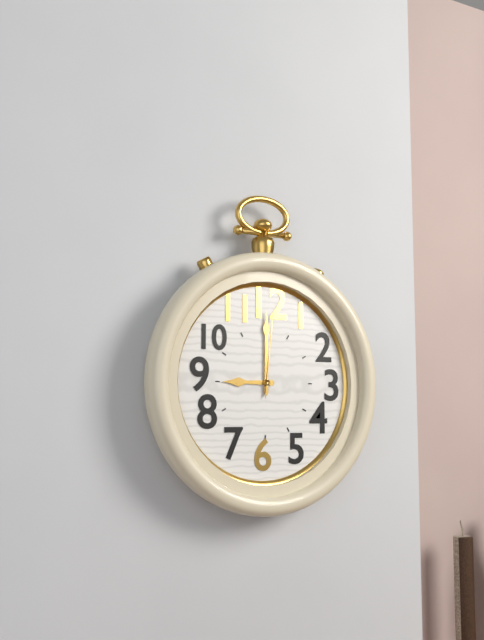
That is 9,00,01
